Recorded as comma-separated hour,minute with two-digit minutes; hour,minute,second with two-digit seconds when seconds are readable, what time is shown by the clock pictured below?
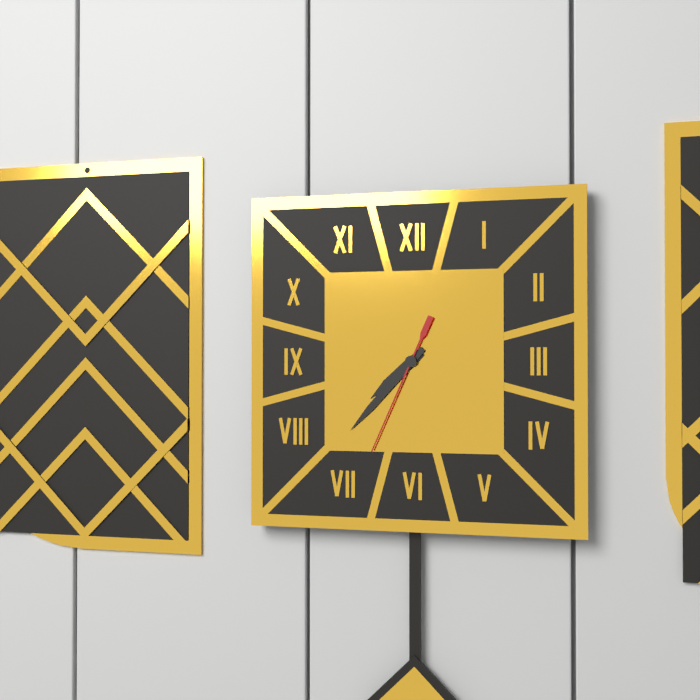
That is 7,37,34
